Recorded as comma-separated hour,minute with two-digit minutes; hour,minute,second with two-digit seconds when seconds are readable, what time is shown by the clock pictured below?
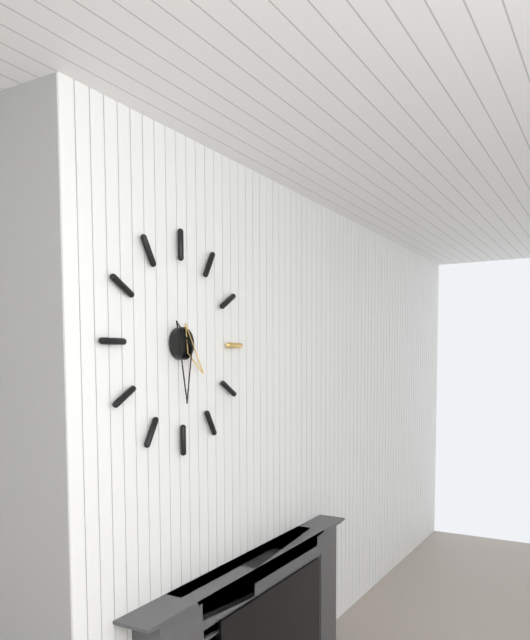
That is 4,30
